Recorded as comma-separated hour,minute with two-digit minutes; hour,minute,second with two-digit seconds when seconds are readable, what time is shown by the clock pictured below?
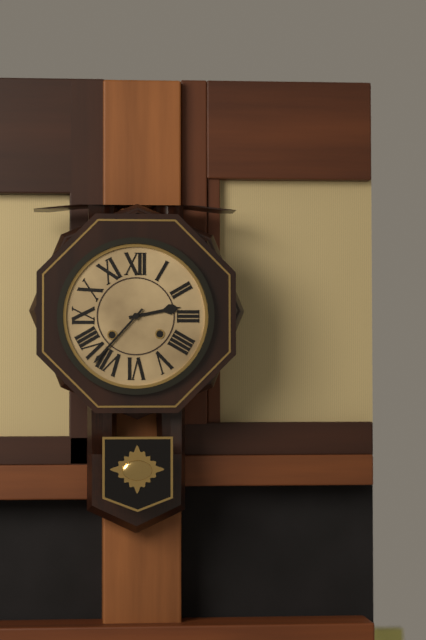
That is 2,37
